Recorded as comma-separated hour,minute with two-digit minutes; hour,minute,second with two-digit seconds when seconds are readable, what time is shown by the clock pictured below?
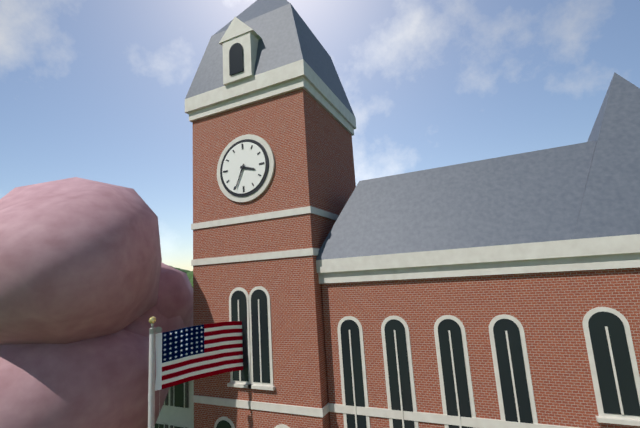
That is 3,34
